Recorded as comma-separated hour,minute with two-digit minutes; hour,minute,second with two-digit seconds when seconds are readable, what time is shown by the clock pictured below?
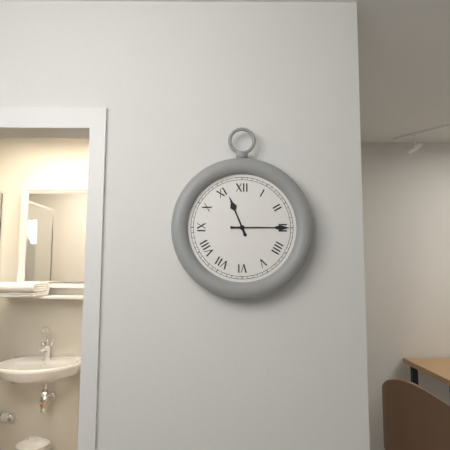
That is 11,15
